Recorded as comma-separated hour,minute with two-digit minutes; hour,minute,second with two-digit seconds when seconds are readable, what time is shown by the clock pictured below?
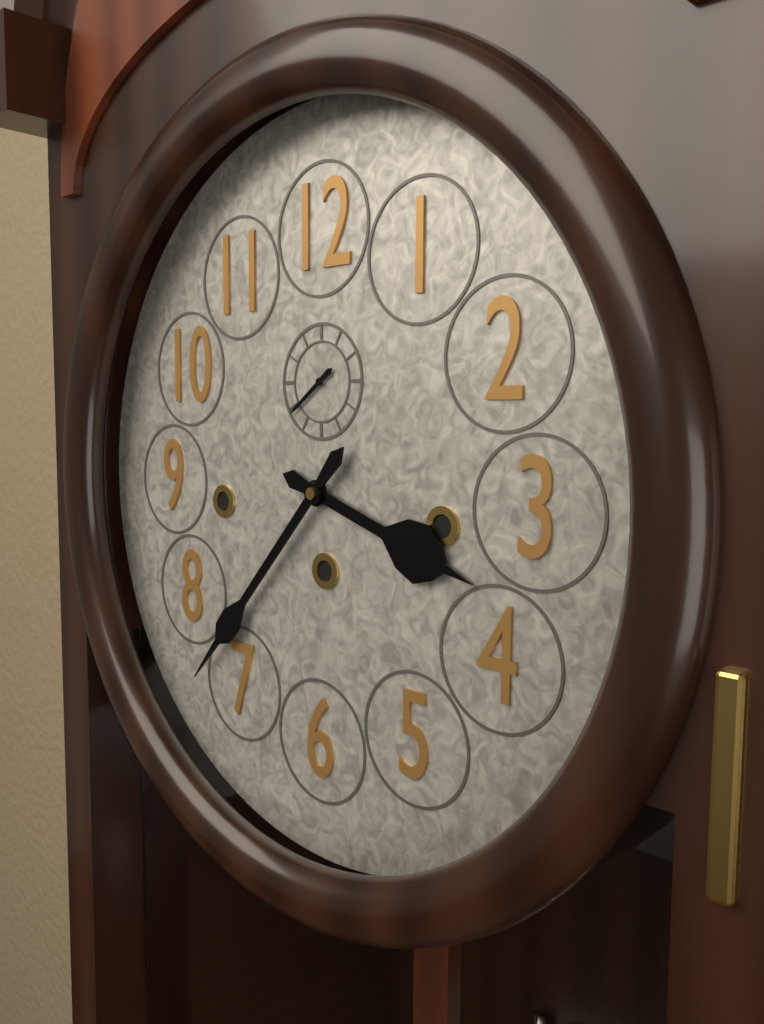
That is 3,37
